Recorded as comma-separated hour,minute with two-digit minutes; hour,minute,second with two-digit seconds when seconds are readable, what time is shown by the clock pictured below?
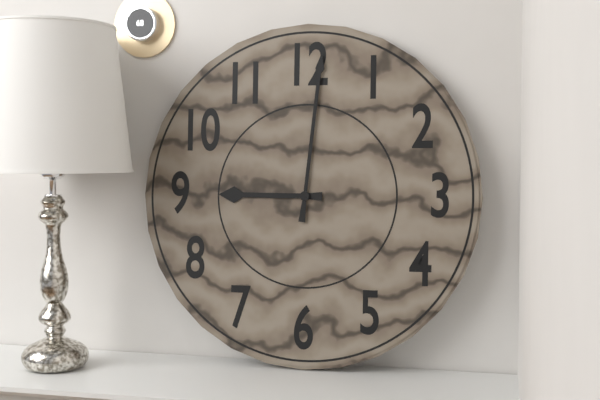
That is 9,01
